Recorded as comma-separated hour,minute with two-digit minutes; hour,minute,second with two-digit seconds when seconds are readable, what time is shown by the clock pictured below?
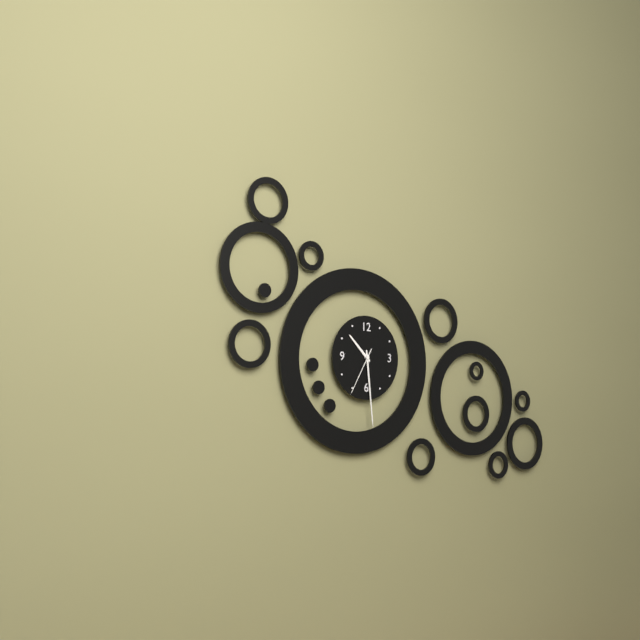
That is 10,29,35
